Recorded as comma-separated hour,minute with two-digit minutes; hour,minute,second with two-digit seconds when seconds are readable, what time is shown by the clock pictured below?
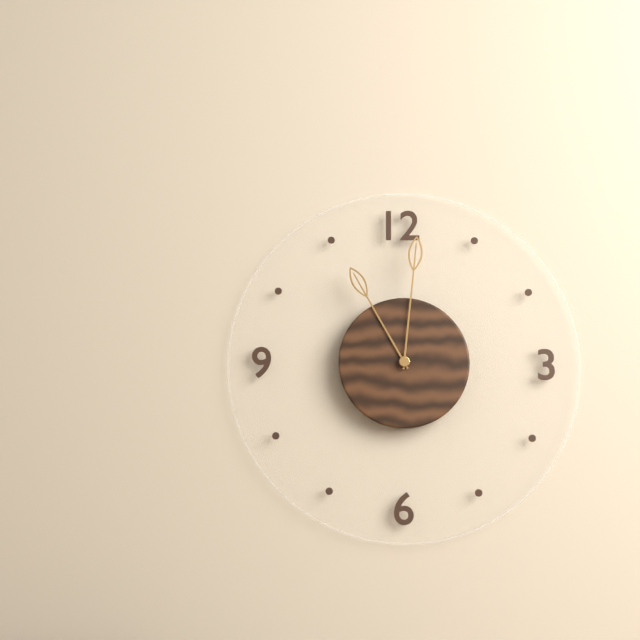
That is 11,01
